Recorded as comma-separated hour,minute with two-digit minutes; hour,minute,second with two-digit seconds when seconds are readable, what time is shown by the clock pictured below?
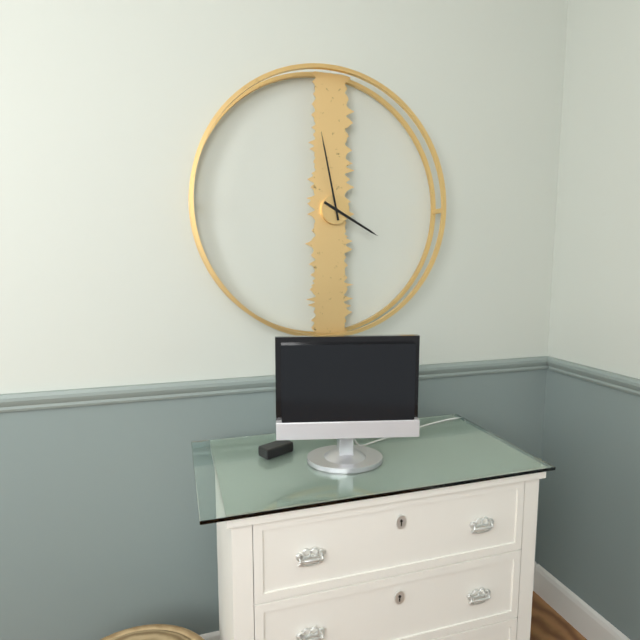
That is 3,58
